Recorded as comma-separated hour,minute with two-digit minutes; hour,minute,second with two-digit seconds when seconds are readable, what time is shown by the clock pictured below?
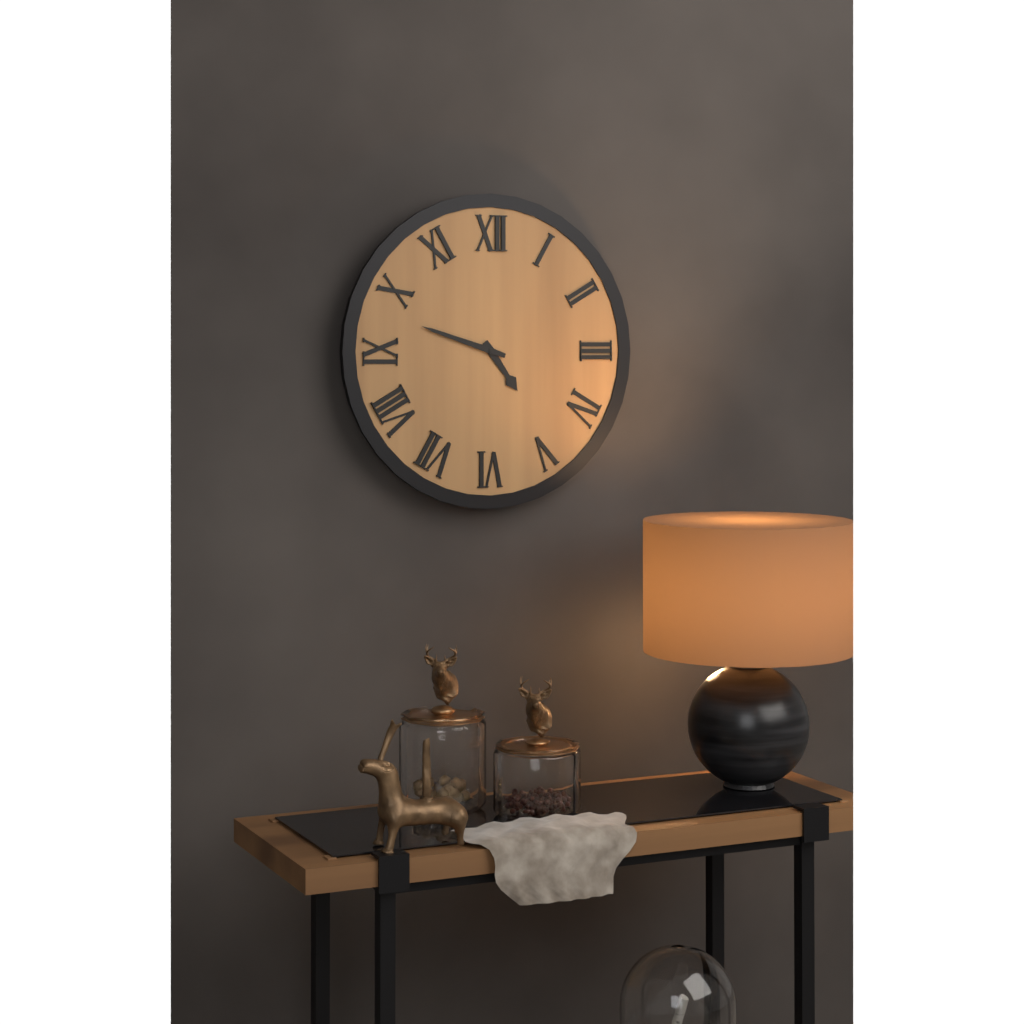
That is 4,48
